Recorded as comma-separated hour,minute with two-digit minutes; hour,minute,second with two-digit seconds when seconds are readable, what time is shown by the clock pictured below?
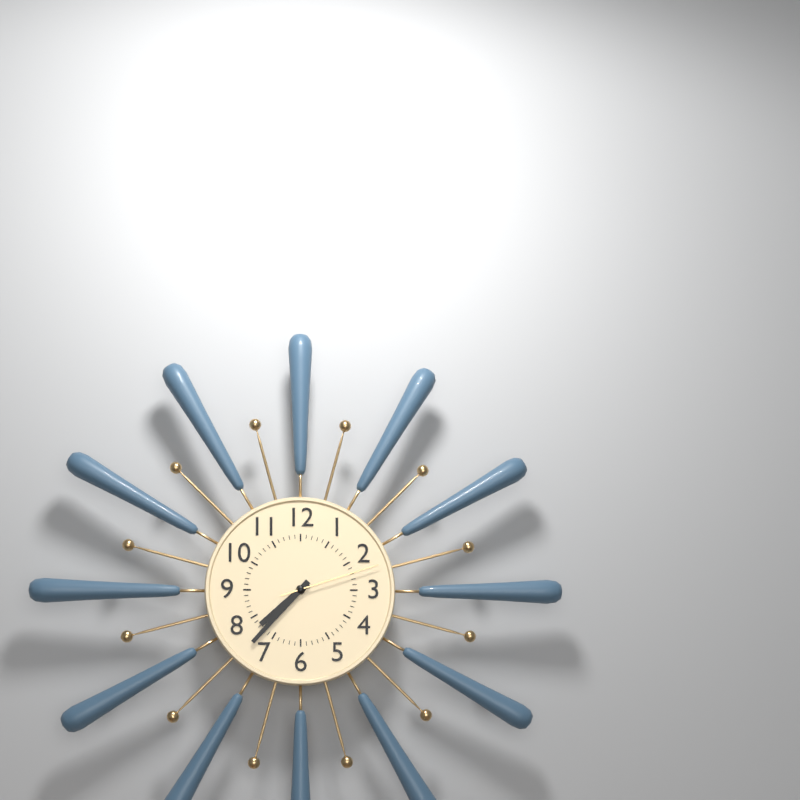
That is 7,37,12
